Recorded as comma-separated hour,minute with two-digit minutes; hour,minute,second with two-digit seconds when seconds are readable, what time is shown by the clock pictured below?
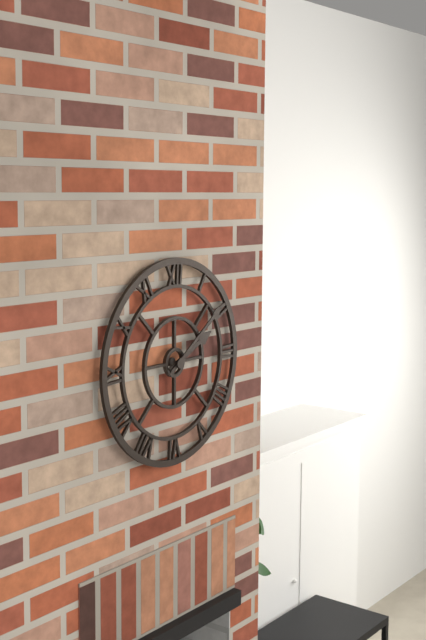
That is 2,09
